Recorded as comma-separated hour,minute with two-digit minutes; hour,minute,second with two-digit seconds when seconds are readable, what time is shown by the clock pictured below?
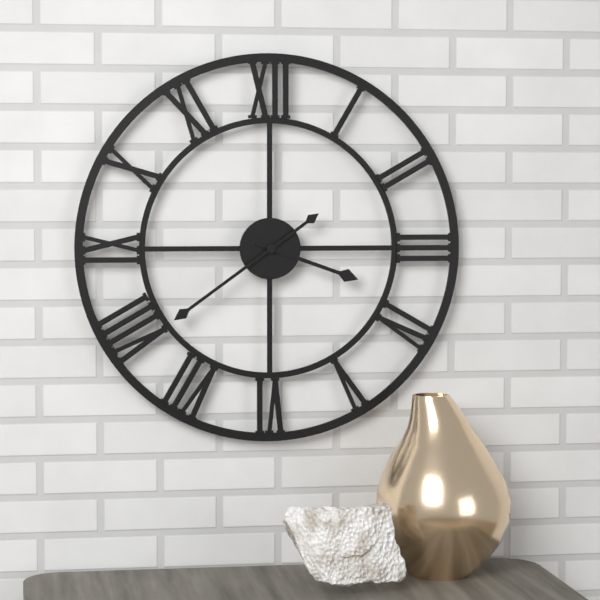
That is 3,39
